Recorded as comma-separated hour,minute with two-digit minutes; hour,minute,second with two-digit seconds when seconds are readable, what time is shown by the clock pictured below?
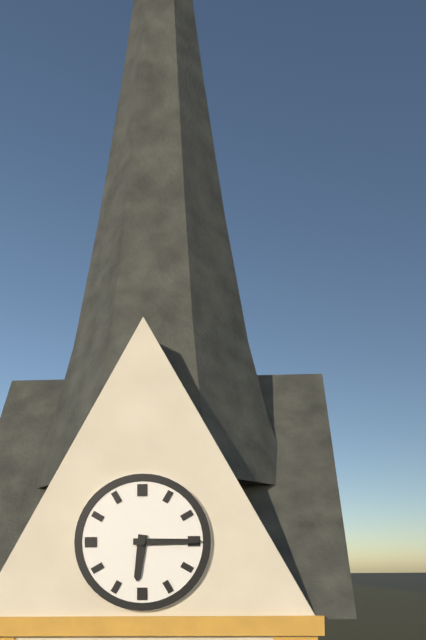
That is 6,15
